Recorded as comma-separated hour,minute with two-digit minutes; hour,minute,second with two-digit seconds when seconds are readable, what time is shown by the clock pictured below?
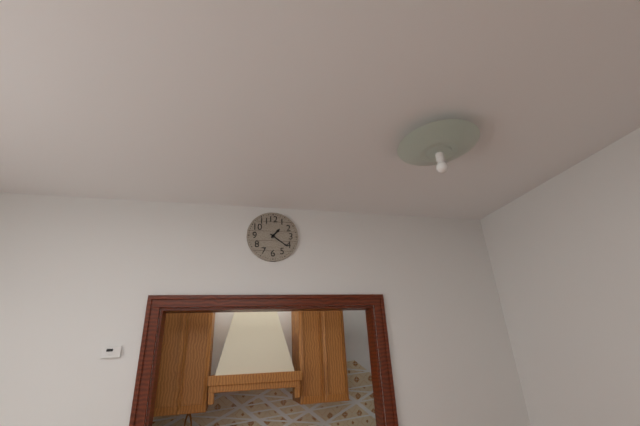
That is 1,21
